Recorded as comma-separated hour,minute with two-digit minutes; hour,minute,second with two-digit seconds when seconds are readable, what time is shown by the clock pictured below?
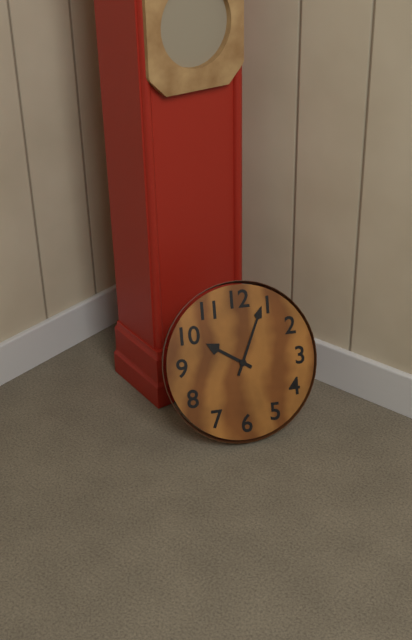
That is 10,04
